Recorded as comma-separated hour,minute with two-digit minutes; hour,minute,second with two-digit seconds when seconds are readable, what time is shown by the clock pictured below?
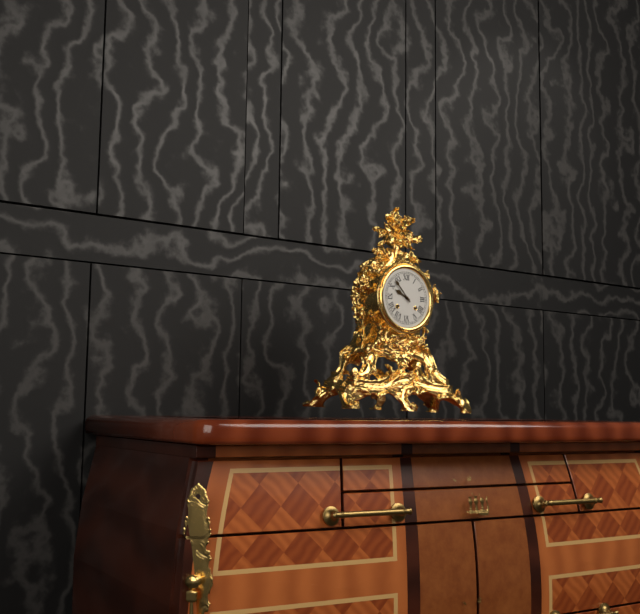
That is 9,53
